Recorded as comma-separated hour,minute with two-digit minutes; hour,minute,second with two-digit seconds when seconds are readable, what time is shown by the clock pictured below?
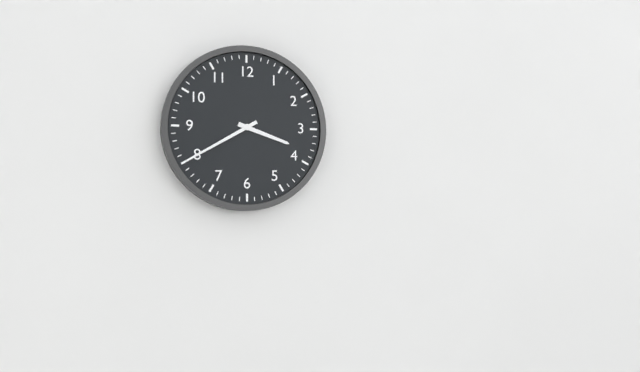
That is 3,40
